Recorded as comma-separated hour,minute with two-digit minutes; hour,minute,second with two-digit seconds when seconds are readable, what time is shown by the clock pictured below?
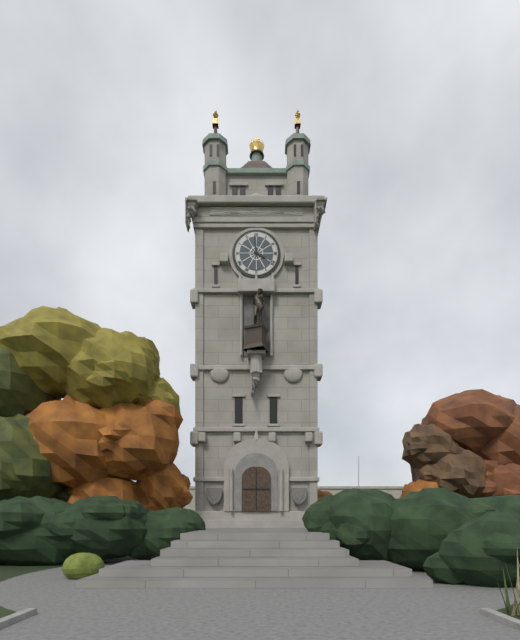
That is 3,59
